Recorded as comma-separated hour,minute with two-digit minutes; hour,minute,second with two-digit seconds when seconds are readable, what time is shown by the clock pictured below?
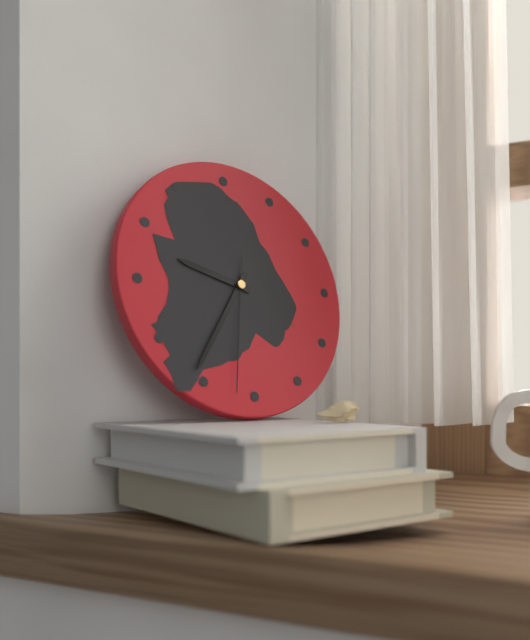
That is 9,36,32
